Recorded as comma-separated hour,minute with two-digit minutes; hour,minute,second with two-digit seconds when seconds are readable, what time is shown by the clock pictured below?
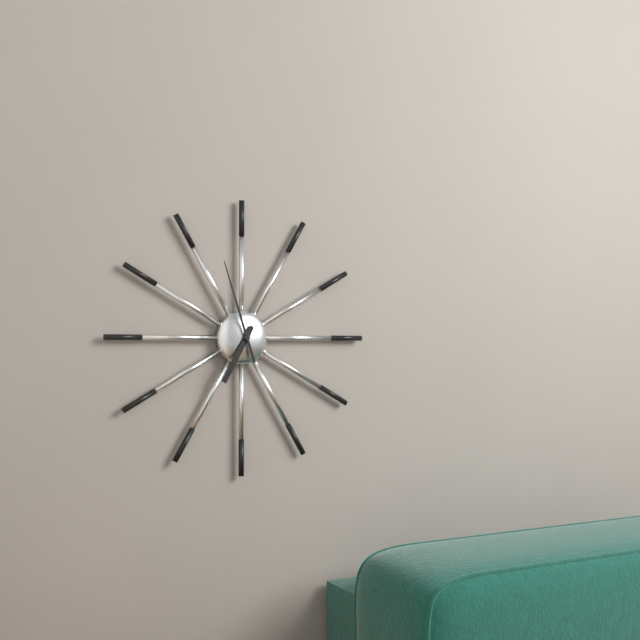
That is 6,57
